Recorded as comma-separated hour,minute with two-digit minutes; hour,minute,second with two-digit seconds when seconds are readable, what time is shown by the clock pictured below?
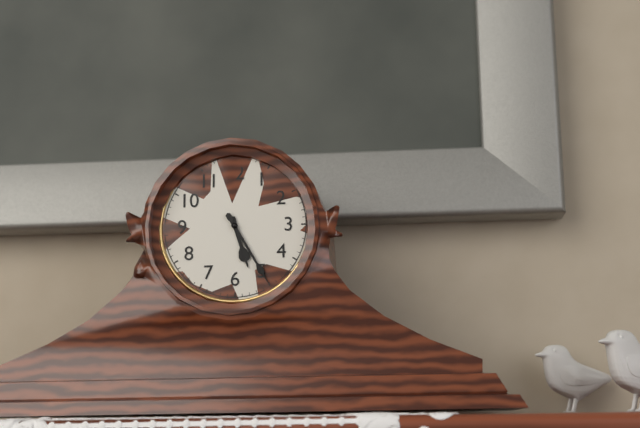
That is 5,25
